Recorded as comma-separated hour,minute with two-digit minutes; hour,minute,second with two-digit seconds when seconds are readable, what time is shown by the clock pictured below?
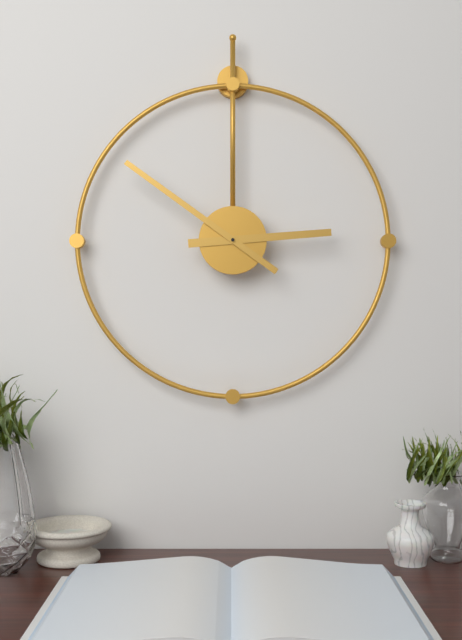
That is 2,51
